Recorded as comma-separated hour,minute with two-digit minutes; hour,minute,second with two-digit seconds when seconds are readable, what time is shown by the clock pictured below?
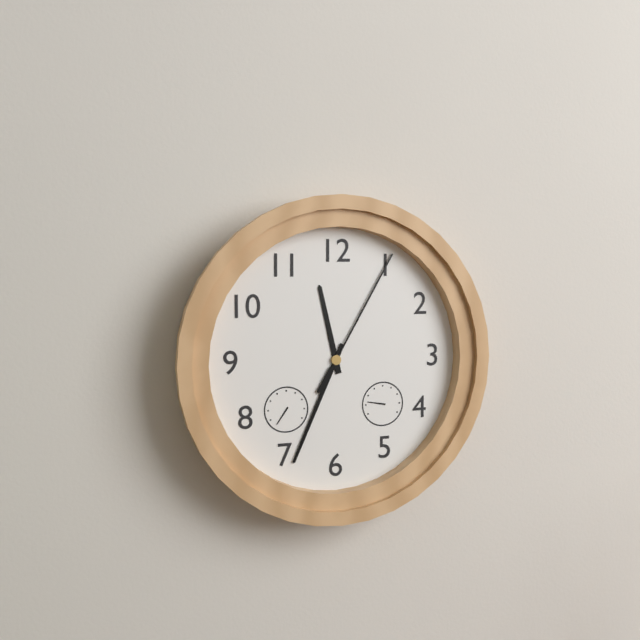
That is 11,34,05
